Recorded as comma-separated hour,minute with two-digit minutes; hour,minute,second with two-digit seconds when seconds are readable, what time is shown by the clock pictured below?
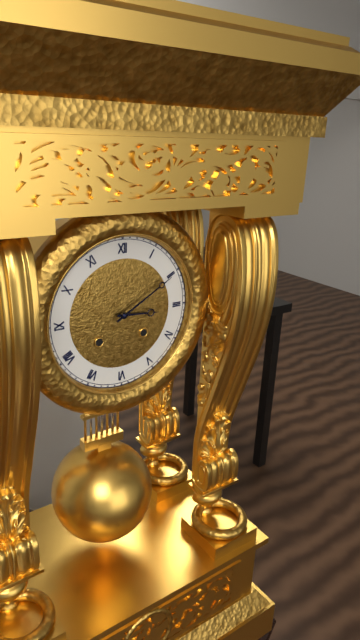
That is 3,10
